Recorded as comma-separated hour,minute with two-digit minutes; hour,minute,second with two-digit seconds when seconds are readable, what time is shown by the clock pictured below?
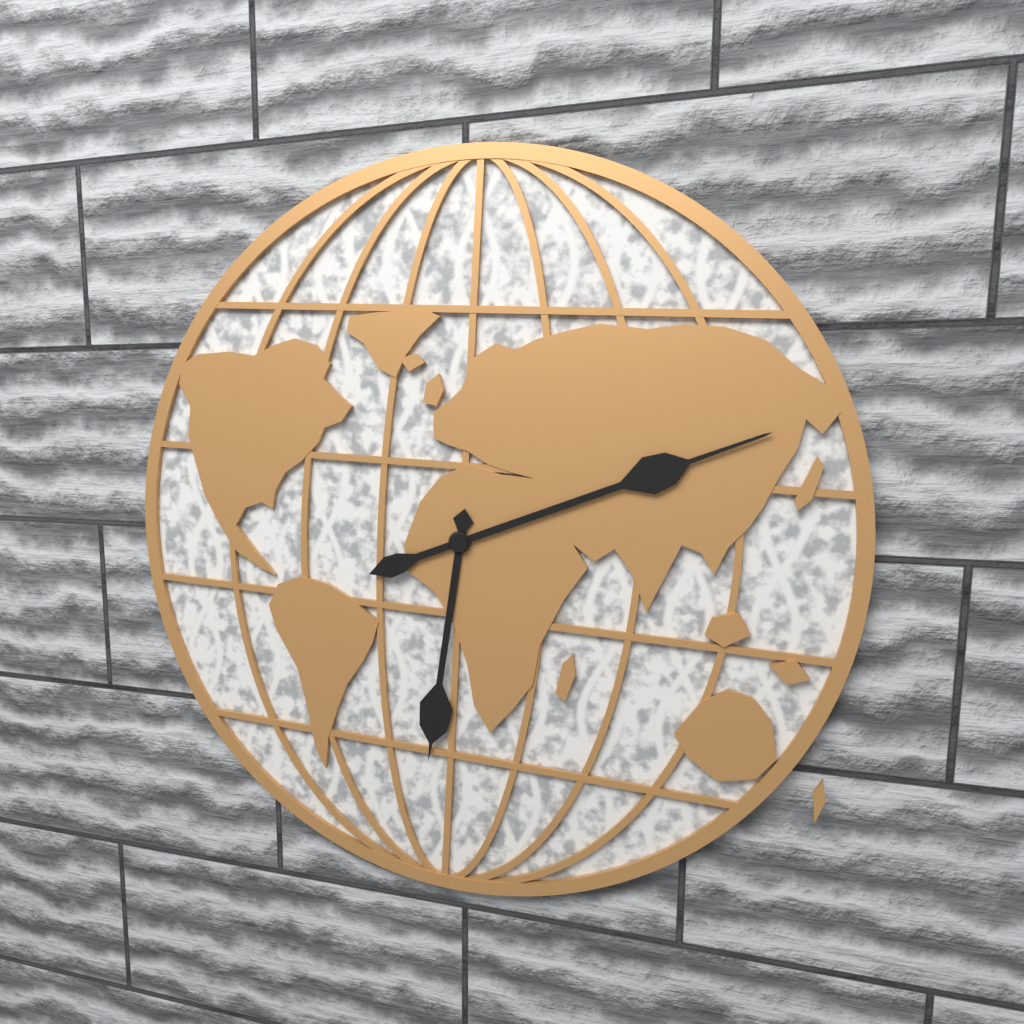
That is 6,11
